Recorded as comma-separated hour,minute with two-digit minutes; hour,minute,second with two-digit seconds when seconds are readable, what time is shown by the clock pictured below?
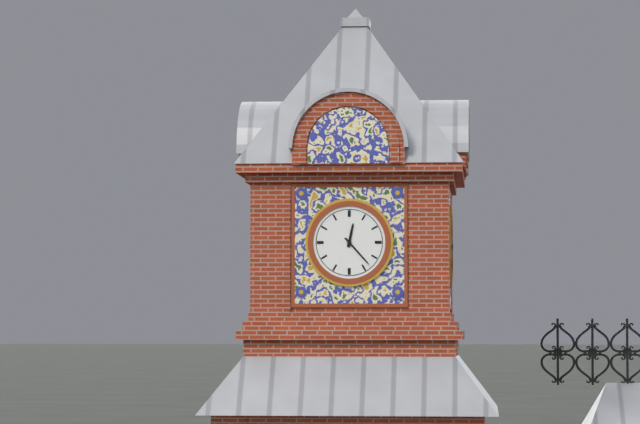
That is 12,23
